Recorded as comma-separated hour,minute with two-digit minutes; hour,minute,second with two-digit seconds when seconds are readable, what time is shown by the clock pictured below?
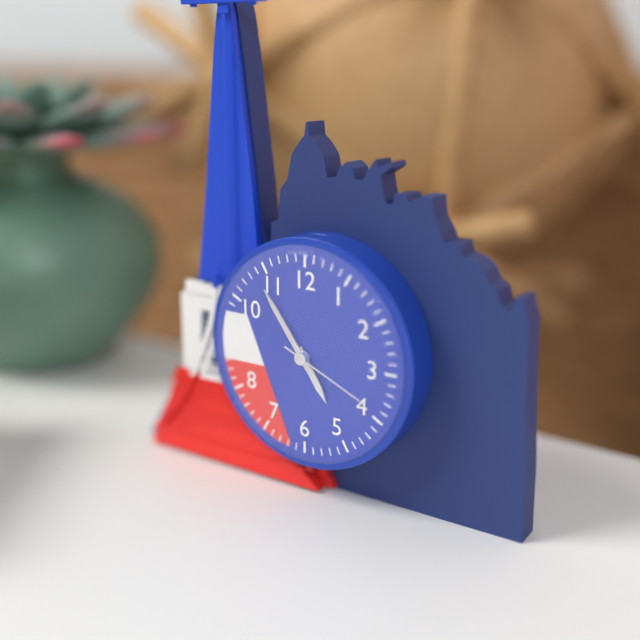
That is 4,54,19
